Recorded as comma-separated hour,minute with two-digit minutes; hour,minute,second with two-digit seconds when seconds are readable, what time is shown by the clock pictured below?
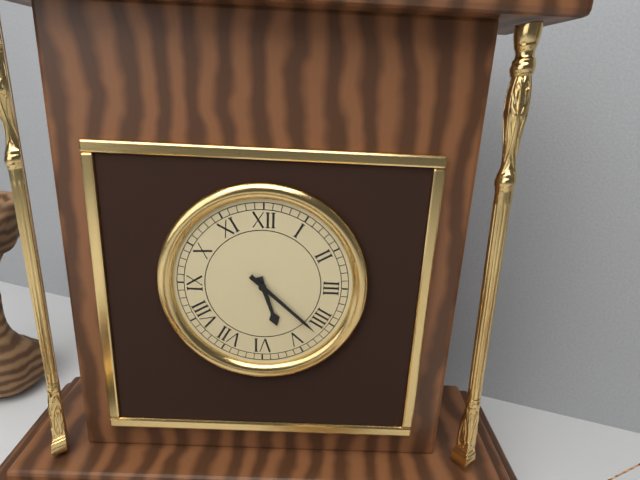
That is 5,22
